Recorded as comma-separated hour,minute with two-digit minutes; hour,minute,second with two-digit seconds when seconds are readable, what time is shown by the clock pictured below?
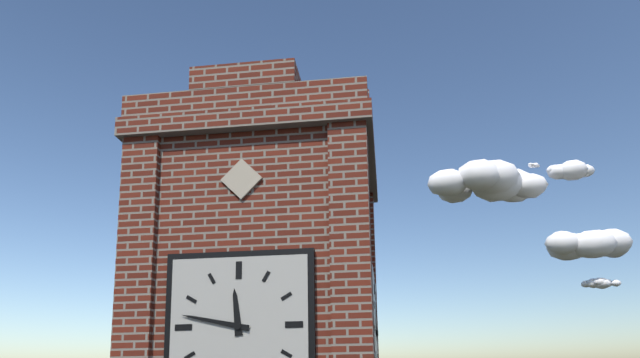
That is 11,47
